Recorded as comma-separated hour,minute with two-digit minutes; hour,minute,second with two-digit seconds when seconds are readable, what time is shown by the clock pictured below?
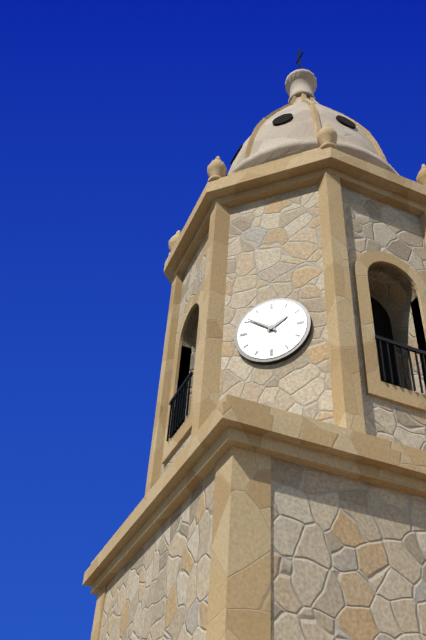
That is 1,51
